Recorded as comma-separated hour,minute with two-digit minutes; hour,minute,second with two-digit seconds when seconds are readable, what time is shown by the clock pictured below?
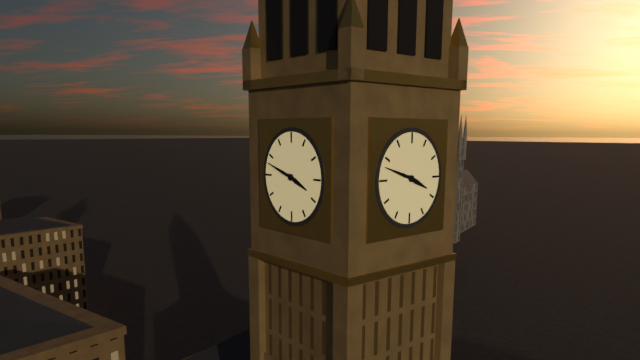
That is 3,48
